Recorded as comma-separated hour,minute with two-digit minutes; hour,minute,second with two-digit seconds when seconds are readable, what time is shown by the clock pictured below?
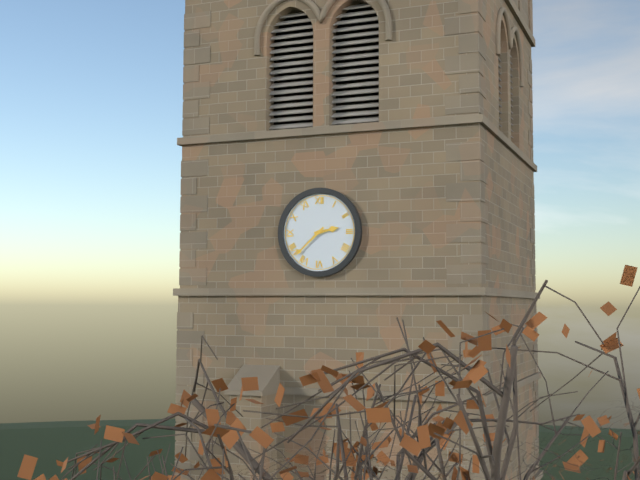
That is 2,38
